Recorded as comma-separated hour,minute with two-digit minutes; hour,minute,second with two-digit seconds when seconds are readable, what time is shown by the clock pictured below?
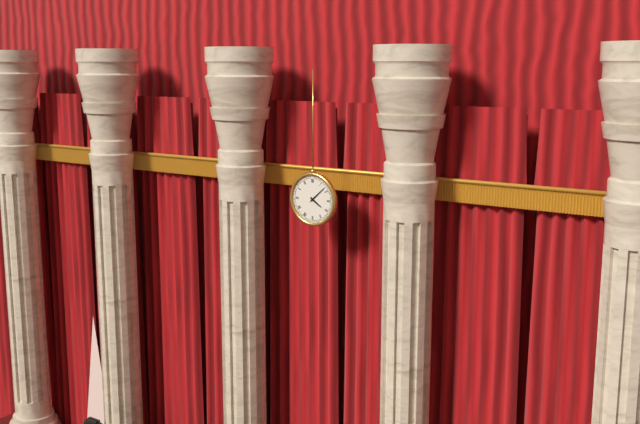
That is 4,08
